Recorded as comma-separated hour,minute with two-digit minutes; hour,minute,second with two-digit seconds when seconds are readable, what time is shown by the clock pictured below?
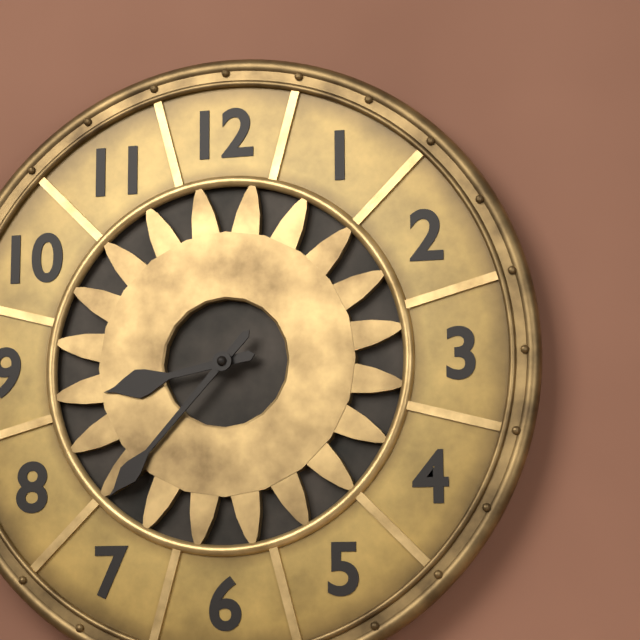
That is 8,37
